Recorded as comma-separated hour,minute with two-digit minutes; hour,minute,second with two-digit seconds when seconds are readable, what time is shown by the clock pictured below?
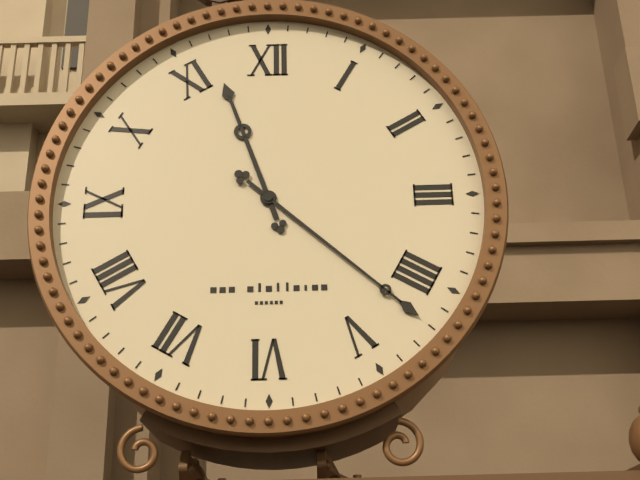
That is 11,22
